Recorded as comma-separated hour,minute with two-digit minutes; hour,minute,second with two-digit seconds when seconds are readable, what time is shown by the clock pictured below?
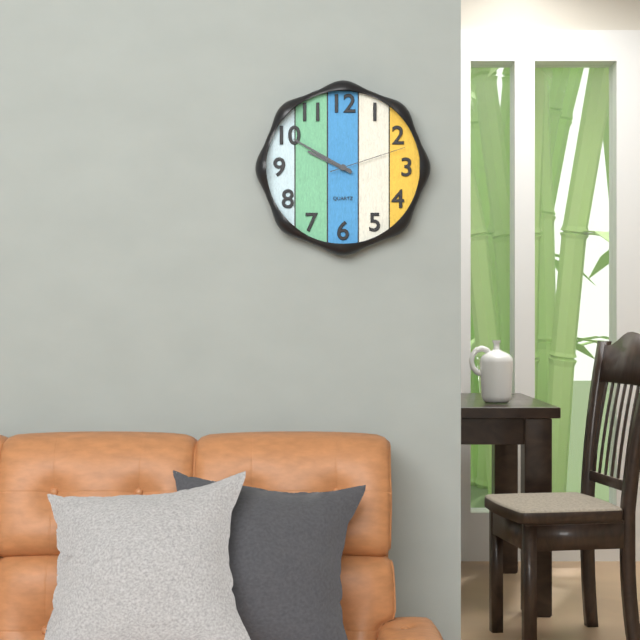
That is 9,50,12
